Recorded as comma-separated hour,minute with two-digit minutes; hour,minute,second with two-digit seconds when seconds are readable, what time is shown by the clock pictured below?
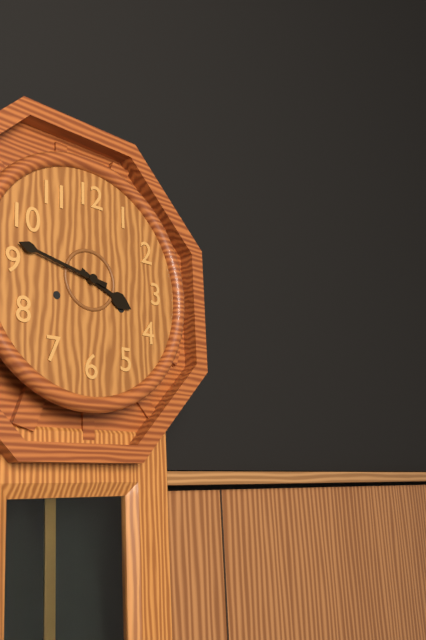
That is 3,47
